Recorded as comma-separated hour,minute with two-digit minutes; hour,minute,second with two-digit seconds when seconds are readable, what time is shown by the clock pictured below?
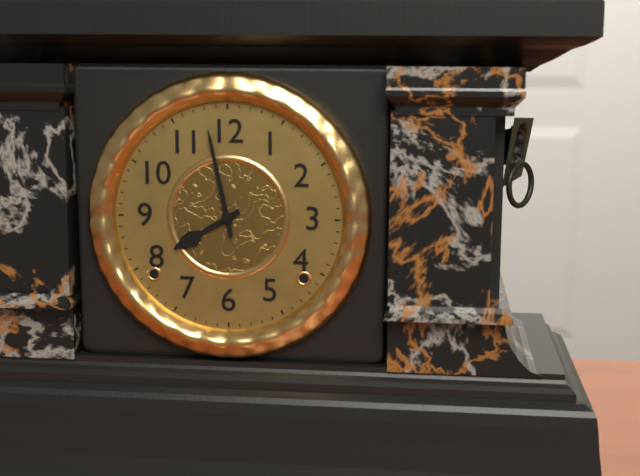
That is 7,58
